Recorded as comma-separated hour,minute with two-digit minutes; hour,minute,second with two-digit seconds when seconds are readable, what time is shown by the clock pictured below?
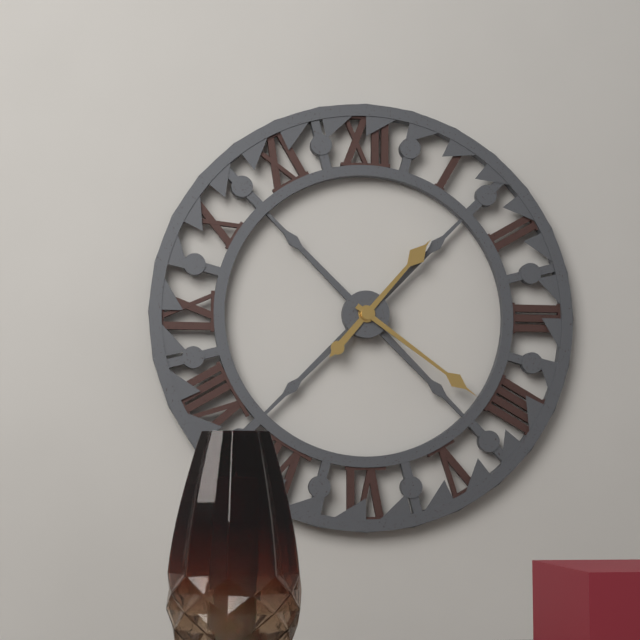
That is 1,21
